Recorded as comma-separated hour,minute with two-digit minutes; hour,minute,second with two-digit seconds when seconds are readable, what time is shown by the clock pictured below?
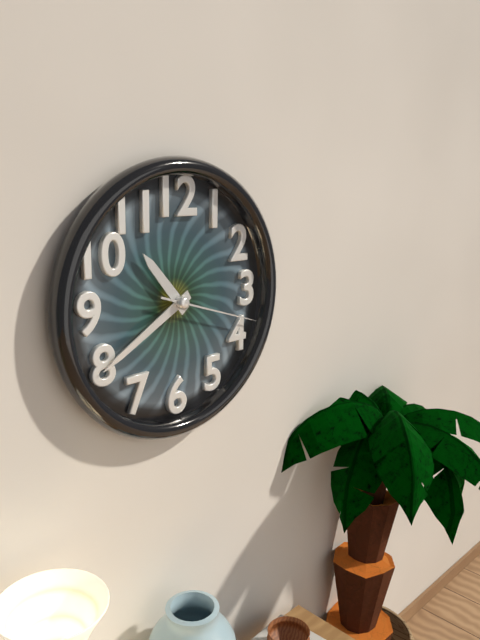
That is 10,40,18
